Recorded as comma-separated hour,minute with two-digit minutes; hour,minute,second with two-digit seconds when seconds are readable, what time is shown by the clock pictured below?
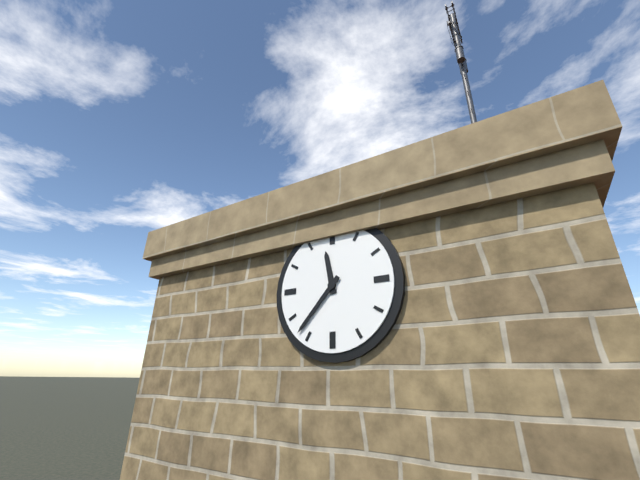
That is 11,37
